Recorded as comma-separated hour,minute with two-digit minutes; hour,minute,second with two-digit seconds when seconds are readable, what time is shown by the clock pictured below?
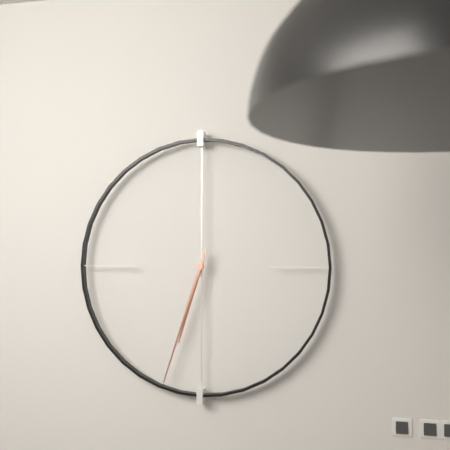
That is 6,33
